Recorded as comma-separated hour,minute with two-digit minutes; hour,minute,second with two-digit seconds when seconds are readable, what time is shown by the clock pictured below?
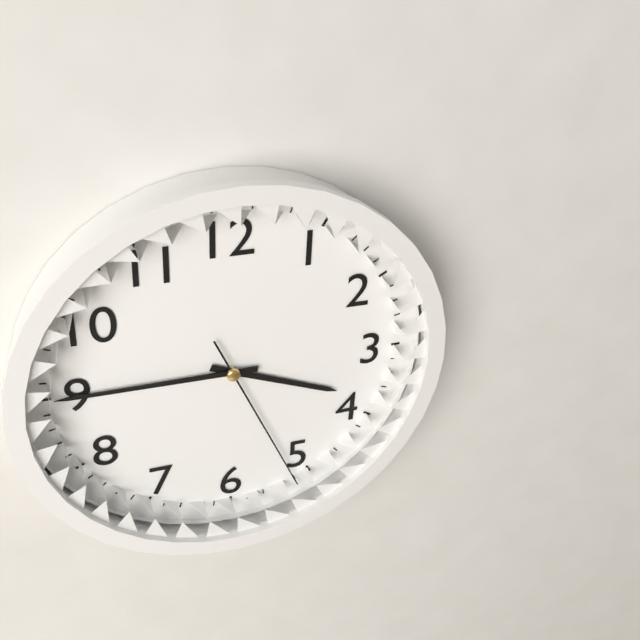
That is 3,45,26
